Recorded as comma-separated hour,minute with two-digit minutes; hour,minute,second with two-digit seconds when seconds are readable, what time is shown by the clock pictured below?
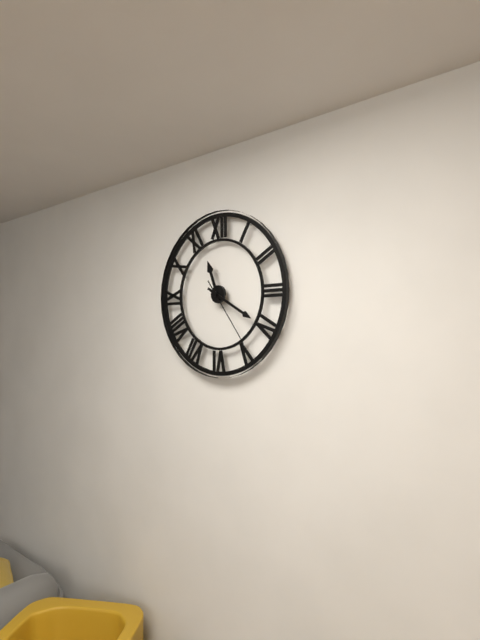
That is 11,20,24
